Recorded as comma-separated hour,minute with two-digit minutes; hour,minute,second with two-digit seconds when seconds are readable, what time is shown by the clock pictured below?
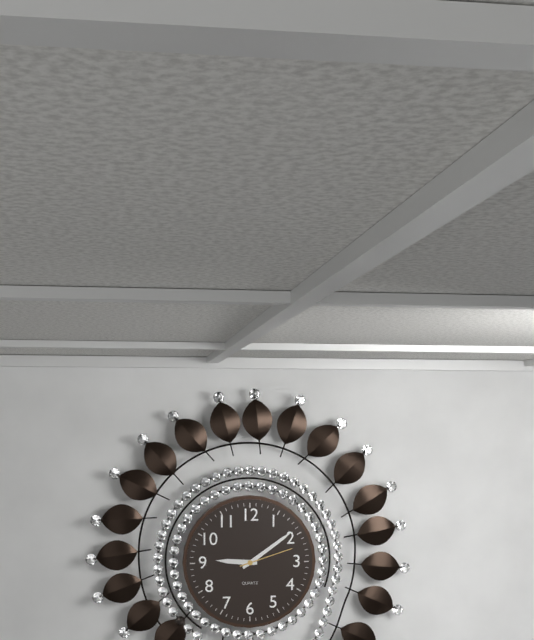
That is 9,09,12
